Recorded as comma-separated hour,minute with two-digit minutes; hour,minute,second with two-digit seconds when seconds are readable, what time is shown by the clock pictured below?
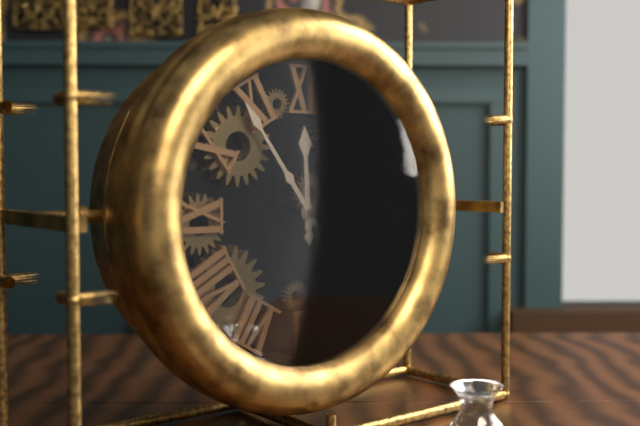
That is 11,54
